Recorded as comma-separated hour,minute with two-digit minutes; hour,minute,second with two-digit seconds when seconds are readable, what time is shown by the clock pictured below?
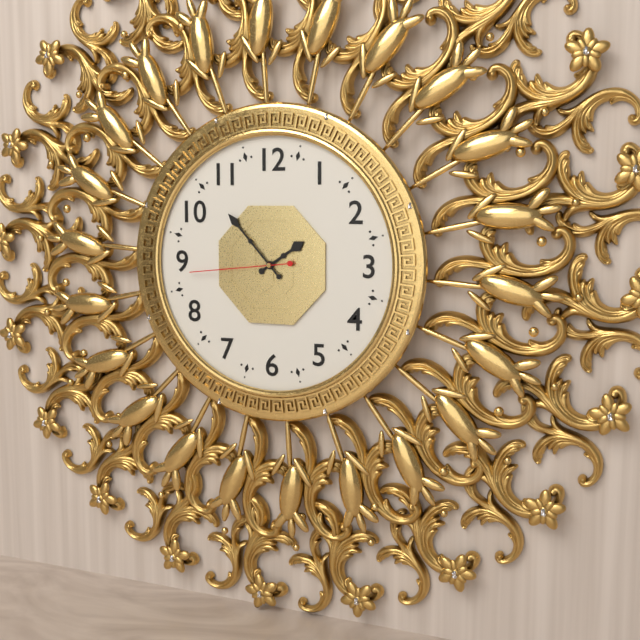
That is 1,53,44
